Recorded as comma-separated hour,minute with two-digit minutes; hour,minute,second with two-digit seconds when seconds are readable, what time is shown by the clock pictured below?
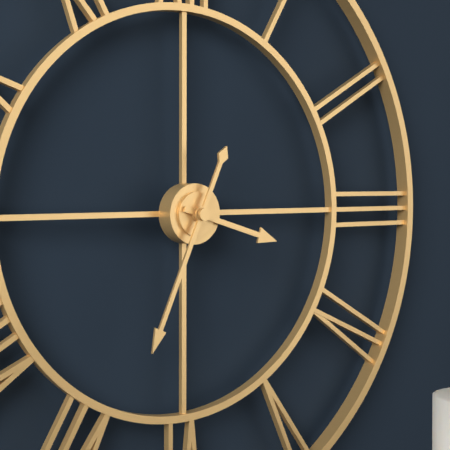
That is 3,34
